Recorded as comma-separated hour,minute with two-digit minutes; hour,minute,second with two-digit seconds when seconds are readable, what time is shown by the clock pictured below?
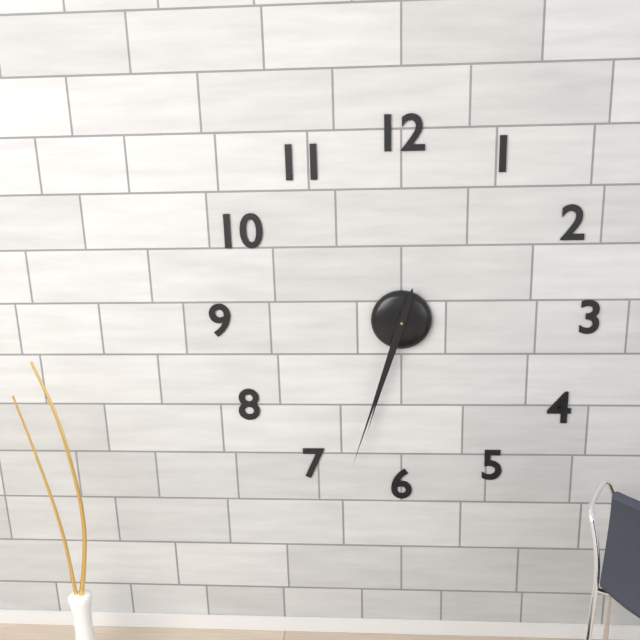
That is 6,33
